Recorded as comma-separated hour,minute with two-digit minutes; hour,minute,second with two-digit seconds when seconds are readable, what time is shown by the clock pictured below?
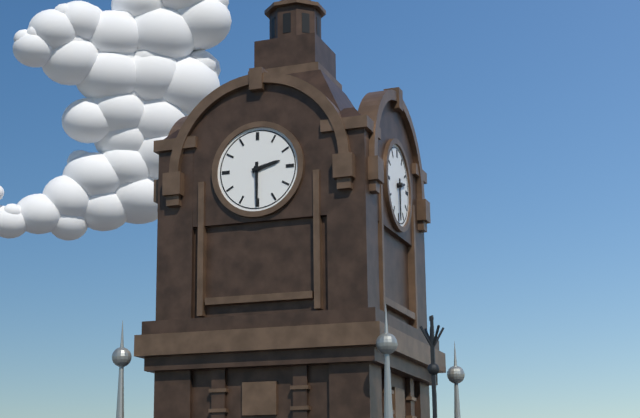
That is 2,30
